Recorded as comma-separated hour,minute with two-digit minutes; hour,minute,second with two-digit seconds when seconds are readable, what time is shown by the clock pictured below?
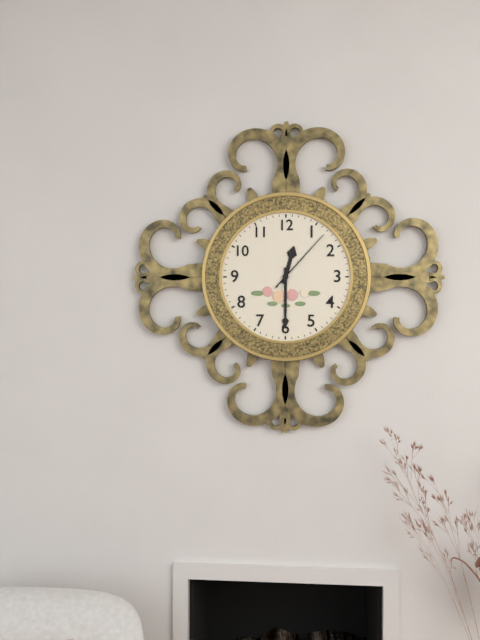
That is 12,30,07
